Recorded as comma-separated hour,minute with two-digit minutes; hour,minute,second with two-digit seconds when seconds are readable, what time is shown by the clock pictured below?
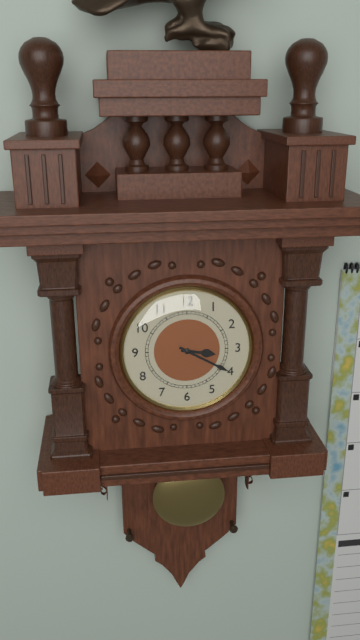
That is 3,20
